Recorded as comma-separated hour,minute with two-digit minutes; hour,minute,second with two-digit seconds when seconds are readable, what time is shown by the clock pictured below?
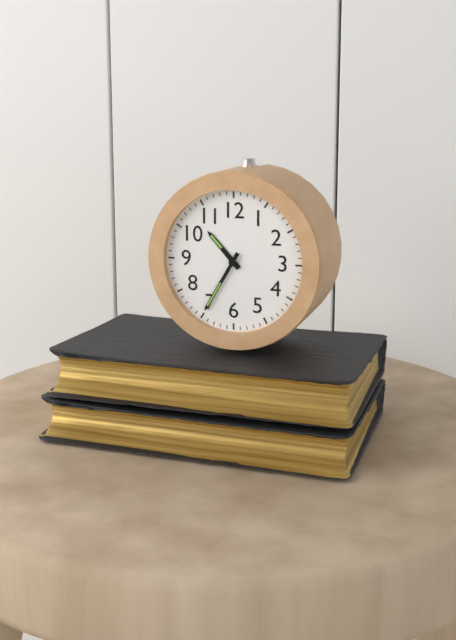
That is 10,35
